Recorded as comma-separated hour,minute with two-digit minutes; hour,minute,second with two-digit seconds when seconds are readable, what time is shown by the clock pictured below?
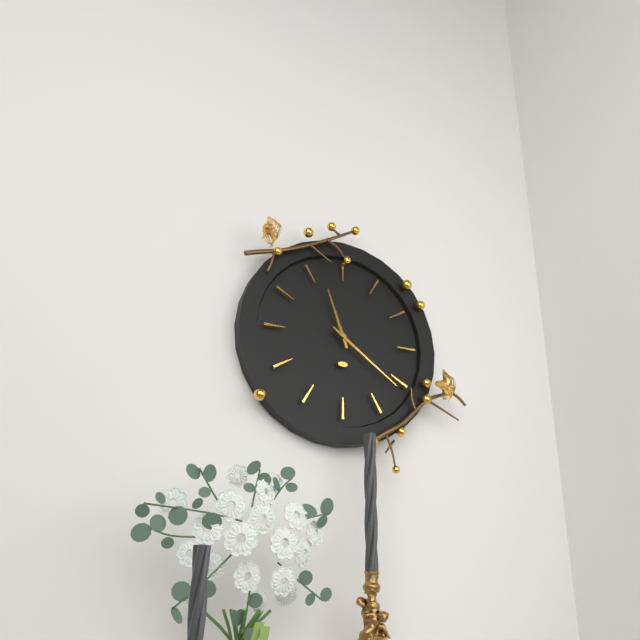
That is 11,21
